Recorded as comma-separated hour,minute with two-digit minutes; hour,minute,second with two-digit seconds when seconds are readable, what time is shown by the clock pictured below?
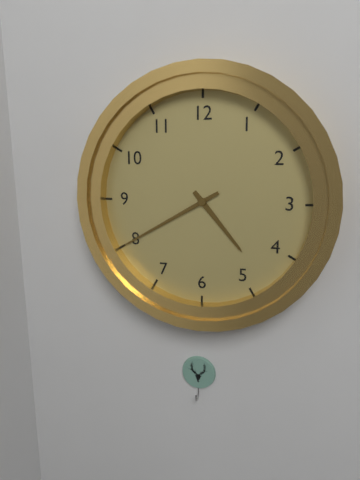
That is 4,40
